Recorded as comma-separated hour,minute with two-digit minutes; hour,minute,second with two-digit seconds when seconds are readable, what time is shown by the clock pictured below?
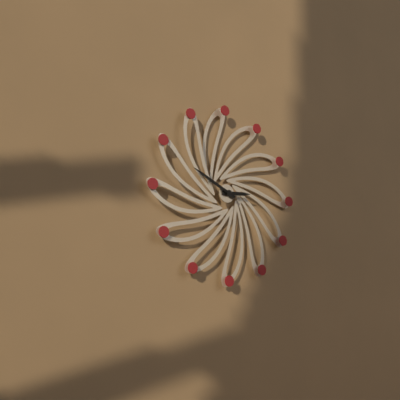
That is 2,49
